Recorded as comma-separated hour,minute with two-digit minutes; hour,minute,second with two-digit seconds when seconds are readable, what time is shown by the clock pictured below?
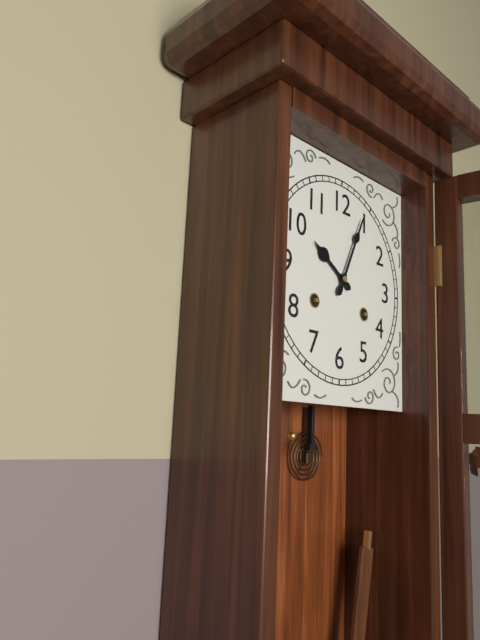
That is 10,04
